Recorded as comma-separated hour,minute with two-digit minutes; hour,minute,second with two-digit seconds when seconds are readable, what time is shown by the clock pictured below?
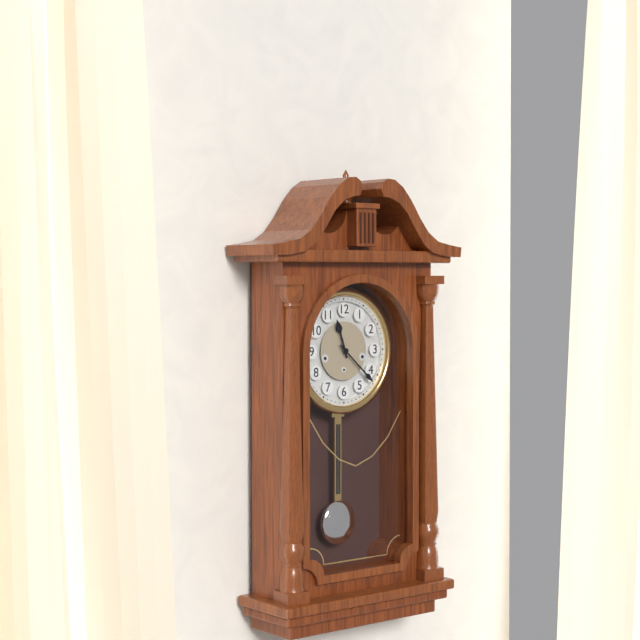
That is 11,22
